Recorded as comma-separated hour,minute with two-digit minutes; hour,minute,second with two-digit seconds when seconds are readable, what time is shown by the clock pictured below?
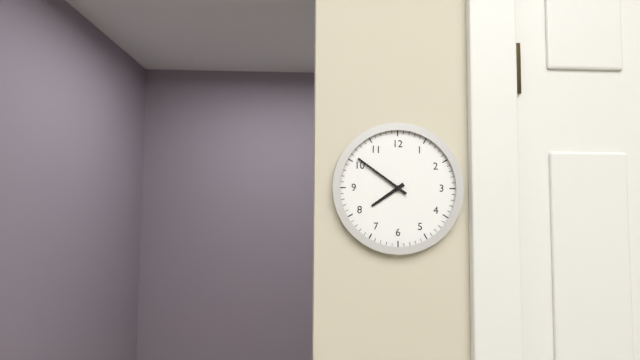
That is 7,51
